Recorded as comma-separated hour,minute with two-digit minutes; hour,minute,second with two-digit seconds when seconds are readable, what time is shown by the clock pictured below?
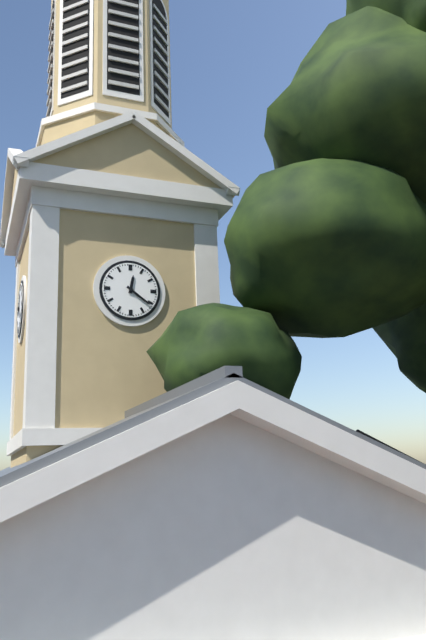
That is 12,21
